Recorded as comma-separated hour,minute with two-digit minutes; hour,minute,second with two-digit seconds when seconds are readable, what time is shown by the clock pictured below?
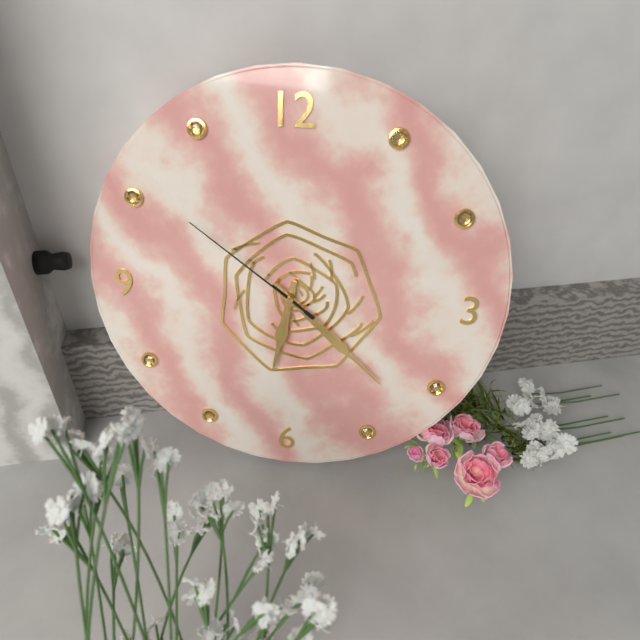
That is 6,22,51
